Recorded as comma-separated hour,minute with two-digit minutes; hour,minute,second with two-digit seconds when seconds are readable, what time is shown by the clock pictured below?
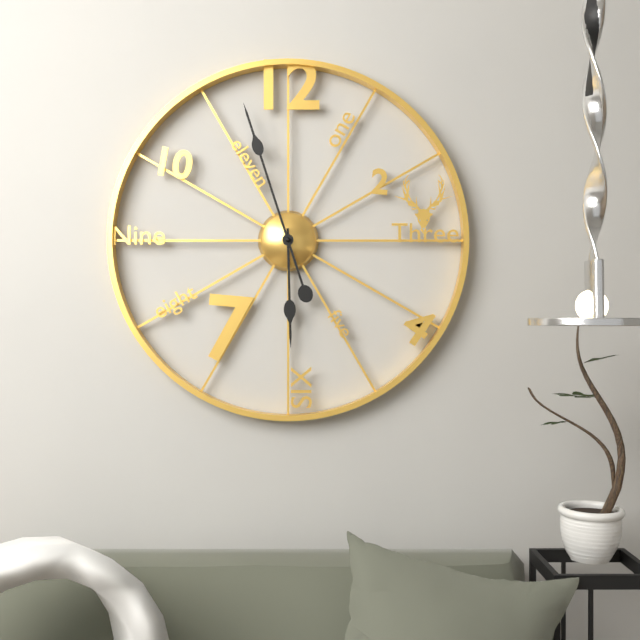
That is 5,57
